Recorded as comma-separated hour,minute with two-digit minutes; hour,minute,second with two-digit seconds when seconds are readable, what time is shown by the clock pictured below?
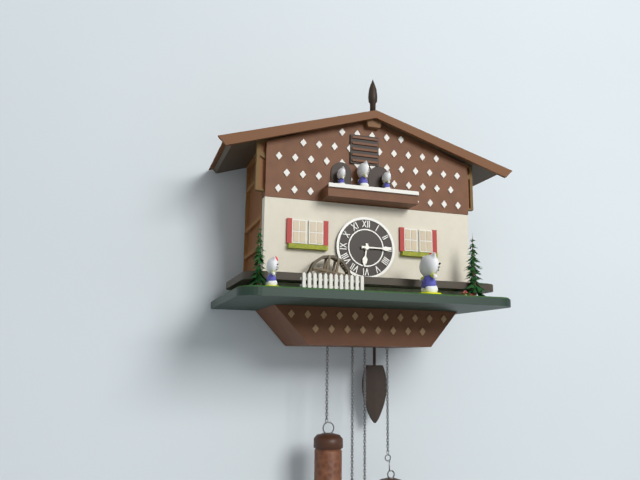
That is 6,15
